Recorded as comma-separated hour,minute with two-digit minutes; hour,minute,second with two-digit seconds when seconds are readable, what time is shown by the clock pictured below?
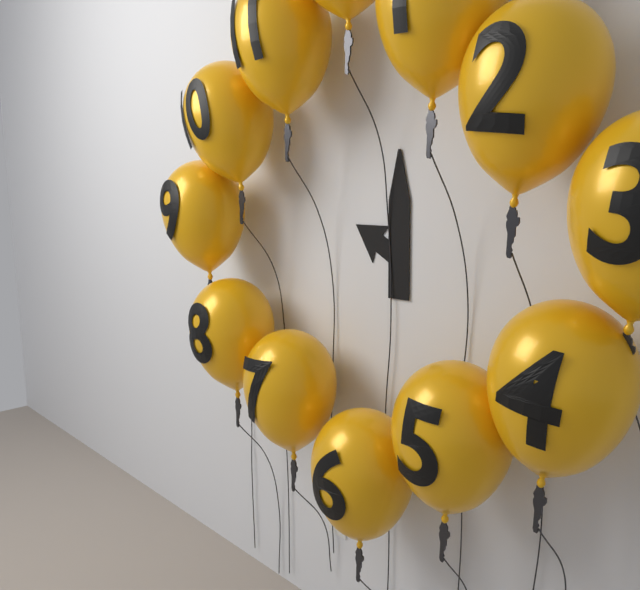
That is 10,00
